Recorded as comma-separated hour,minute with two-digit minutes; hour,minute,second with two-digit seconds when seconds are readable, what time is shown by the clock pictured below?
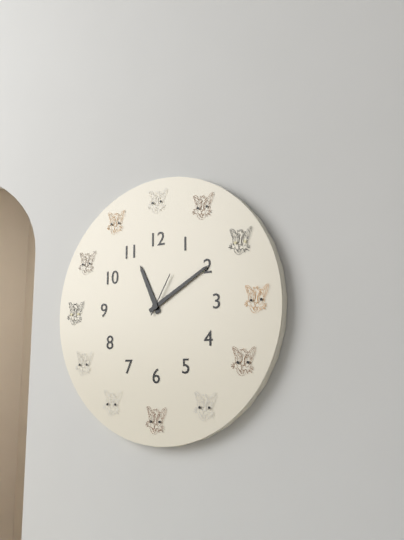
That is 11,10
